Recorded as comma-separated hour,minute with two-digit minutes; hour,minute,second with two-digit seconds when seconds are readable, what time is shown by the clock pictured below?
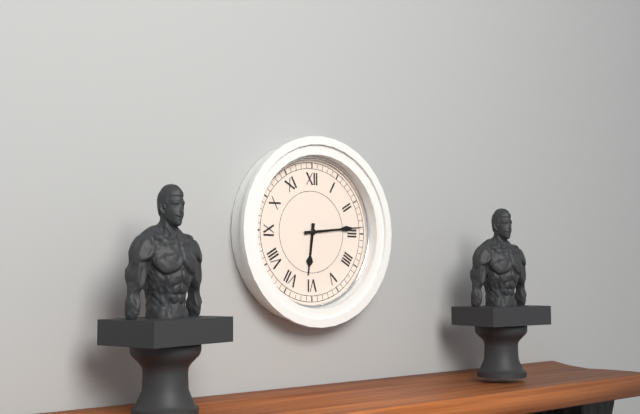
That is 6,14
